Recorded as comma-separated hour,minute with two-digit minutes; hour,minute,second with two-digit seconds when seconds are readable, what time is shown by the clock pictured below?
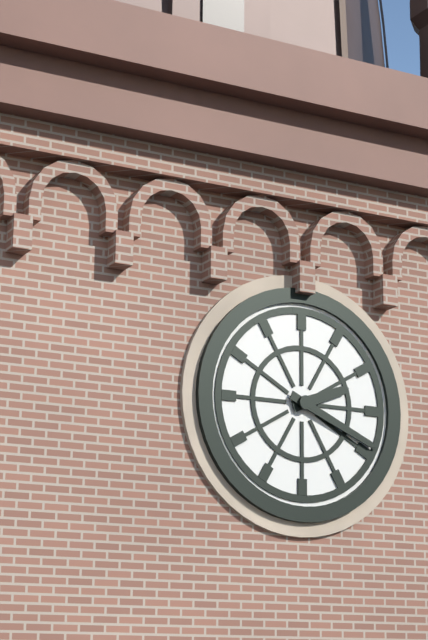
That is 2,19
